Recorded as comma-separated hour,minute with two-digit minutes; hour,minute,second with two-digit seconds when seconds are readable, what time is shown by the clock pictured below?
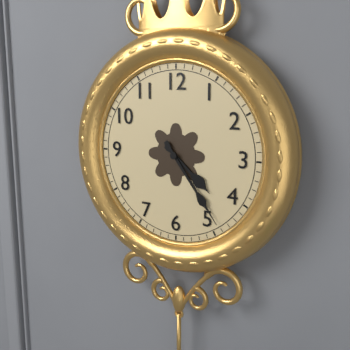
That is 4,24
